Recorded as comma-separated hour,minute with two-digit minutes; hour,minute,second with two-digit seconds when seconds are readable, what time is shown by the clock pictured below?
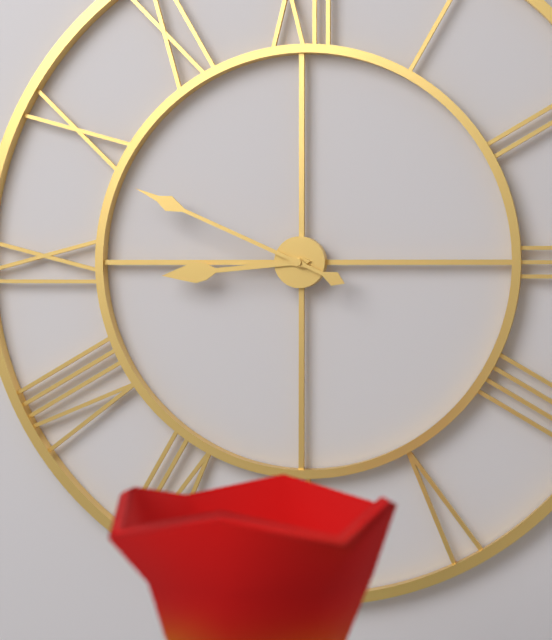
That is 8,49
